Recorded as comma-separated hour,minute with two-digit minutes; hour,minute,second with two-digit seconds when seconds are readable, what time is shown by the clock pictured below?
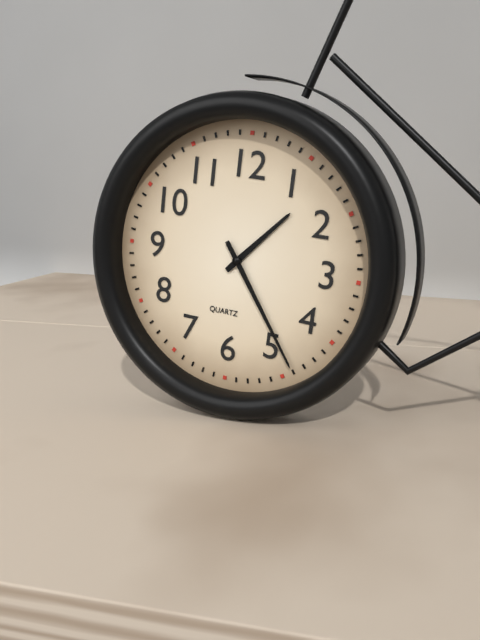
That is 1,24
